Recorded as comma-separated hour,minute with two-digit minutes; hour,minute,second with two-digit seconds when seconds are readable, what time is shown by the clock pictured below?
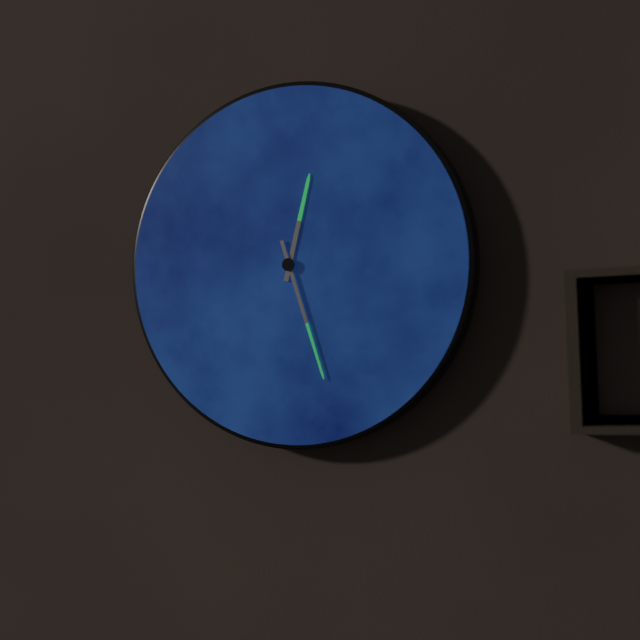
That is 12,27
